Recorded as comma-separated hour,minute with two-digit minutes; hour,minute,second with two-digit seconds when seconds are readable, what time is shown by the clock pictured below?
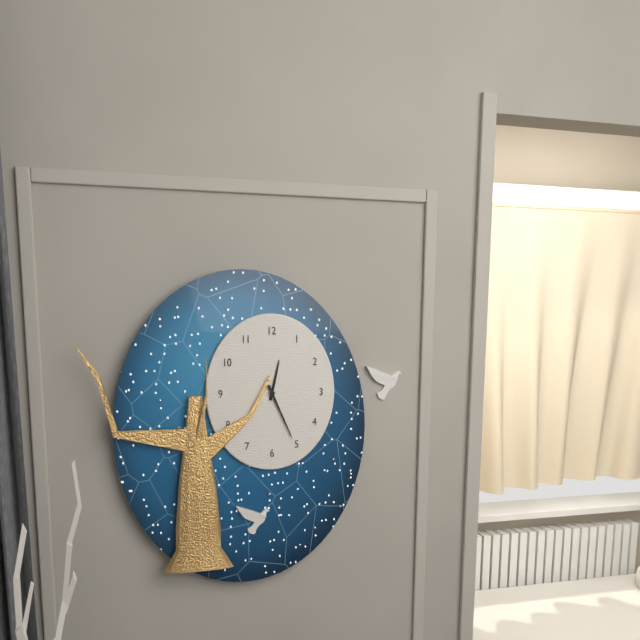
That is 12,26
